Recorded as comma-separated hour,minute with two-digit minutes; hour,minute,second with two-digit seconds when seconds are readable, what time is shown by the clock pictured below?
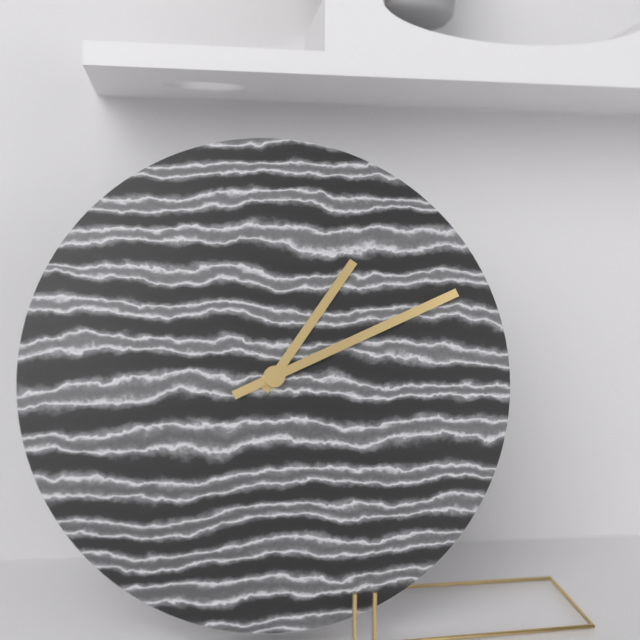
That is 1,11
